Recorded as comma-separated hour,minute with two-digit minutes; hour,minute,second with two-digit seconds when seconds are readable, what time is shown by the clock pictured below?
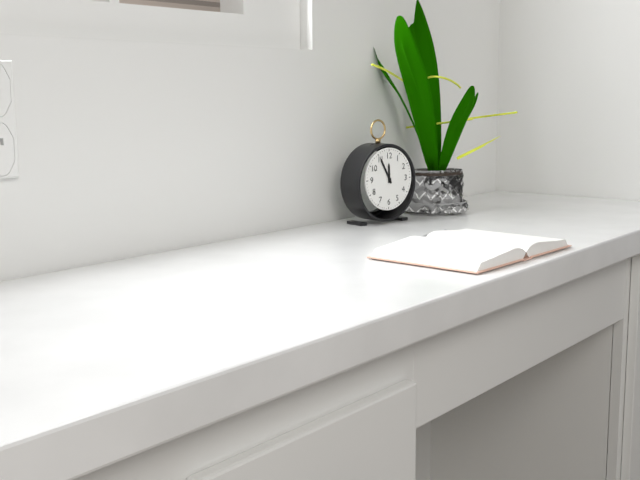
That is 11,55
